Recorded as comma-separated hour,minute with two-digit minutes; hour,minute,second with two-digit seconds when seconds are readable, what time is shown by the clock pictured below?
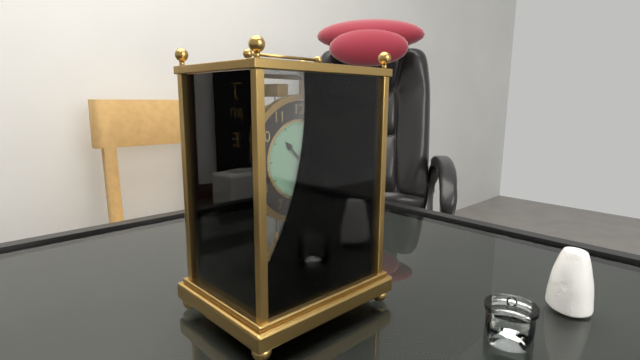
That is 10,32
